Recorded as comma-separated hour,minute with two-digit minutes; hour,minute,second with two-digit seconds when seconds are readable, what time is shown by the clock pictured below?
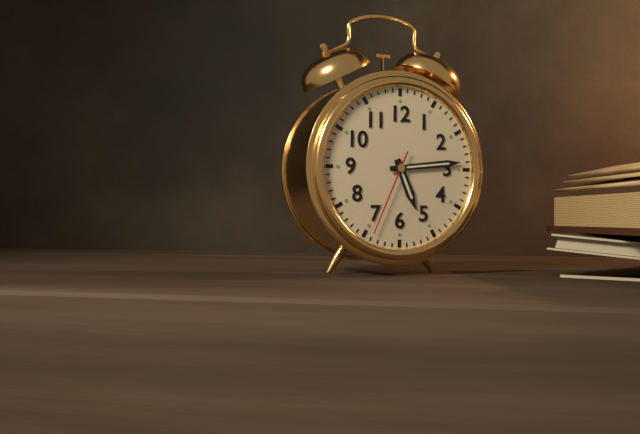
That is 5,14,34
